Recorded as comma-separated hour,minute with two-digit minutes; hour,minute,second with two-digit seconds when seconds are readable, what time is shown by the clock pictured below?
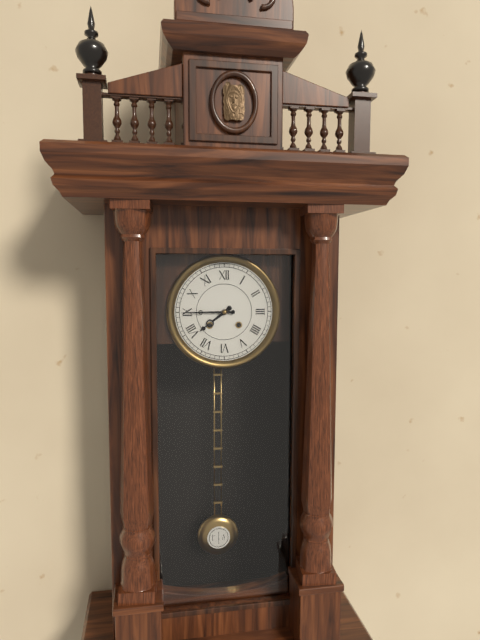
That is 7,45
